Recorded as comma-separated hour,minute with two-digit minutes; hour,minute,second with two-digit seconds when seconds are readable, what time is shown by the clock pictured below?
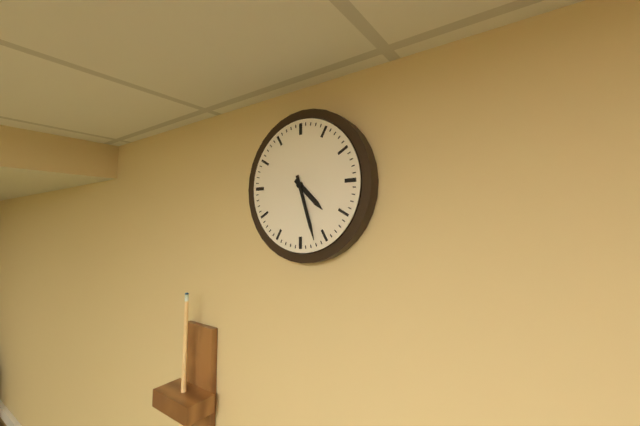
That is 4,27
